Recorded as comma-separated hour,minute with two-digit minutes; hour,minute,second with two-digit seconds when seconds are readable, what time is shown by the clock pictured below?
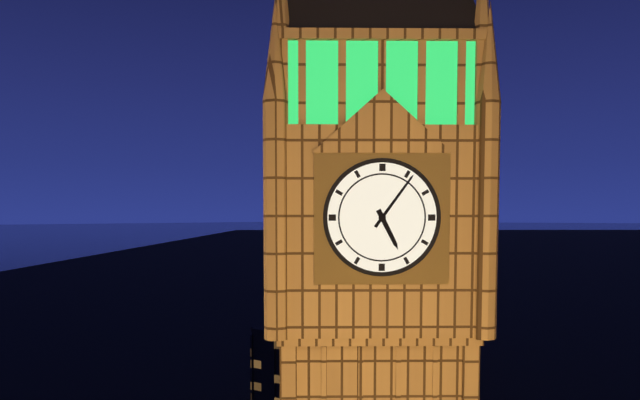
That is 5,06
